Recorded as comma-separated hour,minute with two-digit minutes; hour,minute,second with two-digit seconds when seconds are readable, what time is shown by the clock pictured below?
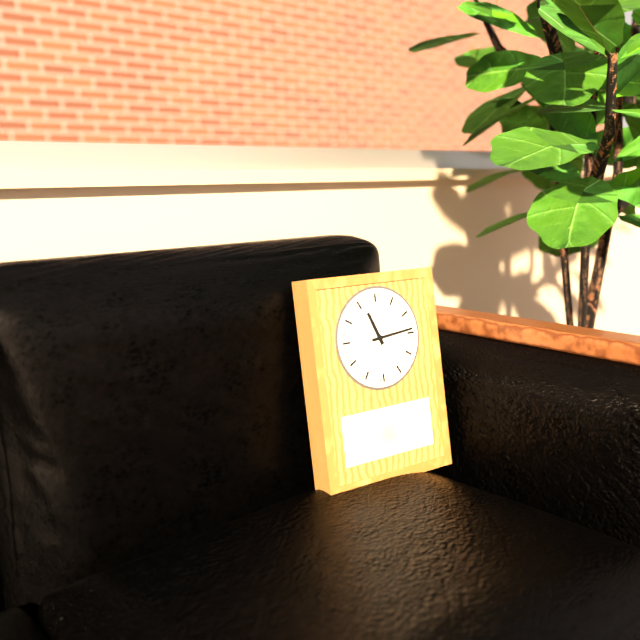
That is 11,14
